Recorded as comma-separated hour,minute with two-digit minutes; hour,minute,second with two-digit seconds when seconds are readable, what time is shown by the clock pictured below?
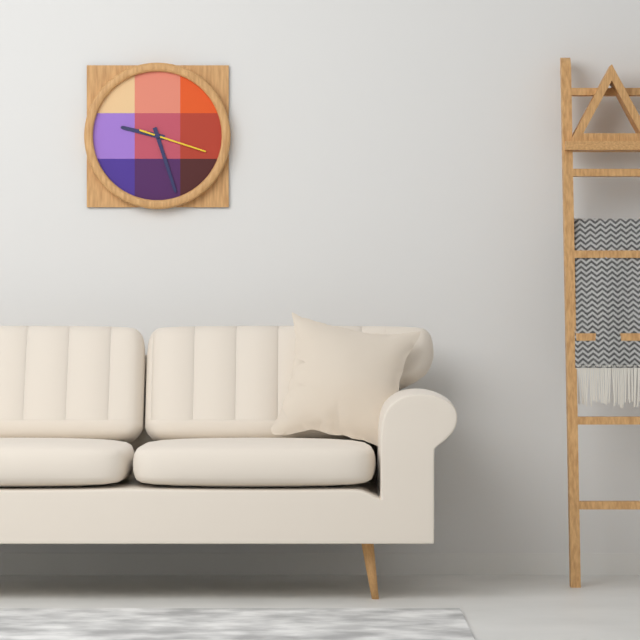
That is 9,27,18
